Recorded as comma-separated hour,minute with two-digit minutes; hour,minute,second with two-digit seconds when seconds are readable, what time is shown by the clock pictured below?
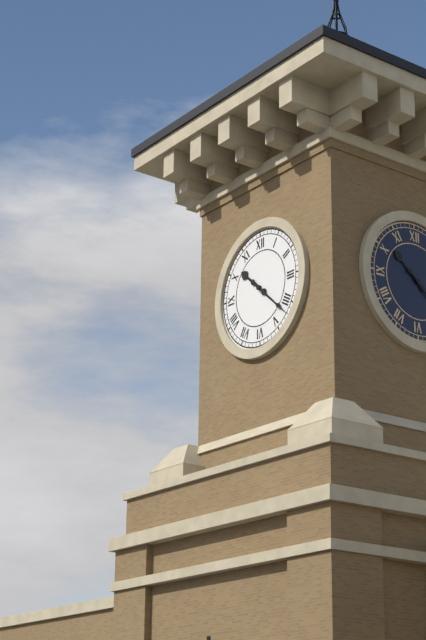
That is 10,22
